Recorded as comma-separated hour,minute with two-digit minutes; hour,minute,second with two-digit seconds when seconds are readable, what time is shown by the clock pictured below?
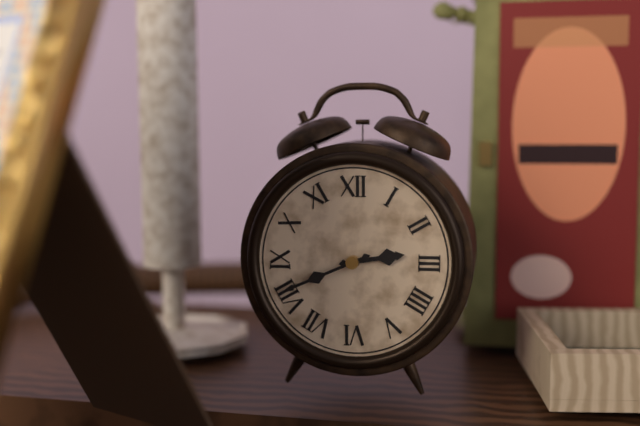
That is 2,41
